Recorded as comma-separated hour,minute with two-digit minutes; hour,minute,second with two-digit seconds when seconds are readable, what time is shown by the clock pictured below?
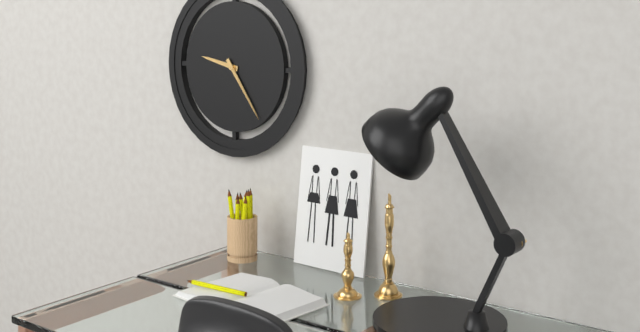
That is 9,24
